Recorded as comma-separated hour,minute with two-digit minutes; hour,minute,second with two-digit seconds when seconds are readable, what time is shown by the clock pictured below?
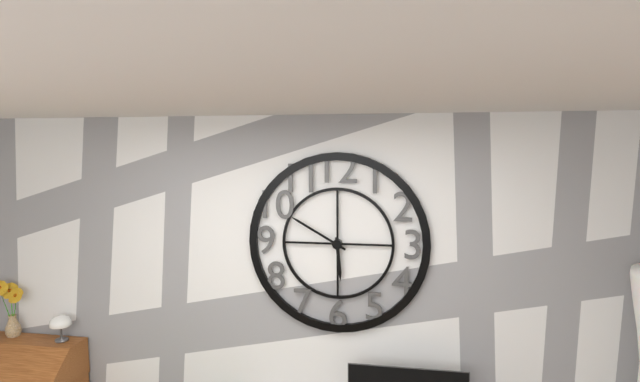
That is 5,50
